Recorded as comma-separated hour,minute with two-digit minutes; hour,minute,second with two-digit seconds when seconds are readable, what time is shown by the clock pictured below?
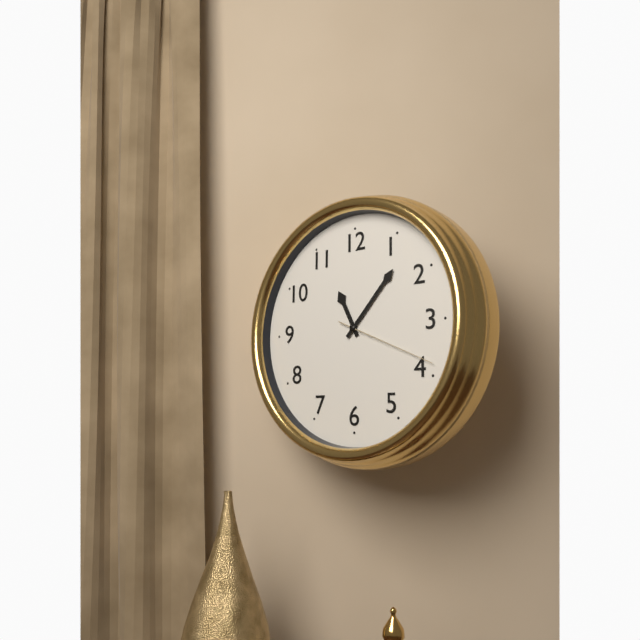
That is 11,07,19
